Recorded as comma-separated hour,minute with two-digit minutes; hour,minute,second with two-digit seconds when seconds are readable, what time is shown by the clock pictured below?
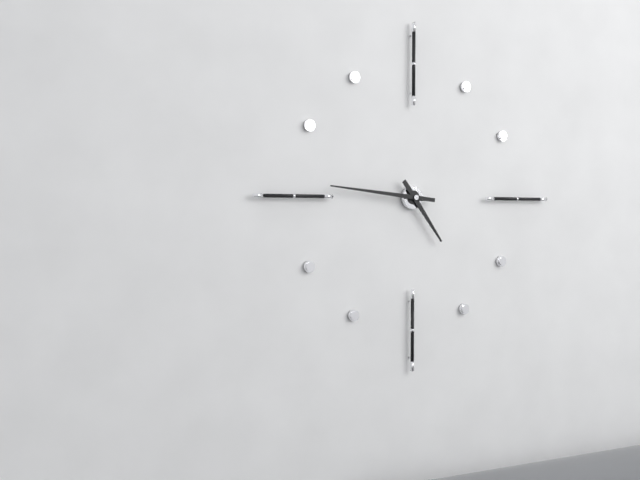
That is 4,46
